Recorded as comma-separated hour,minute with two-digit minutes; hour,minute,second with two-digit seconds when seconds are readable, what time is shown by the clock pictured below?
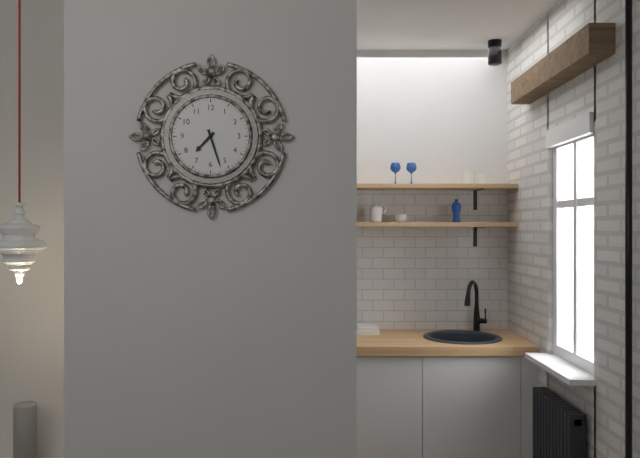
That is 7,27
